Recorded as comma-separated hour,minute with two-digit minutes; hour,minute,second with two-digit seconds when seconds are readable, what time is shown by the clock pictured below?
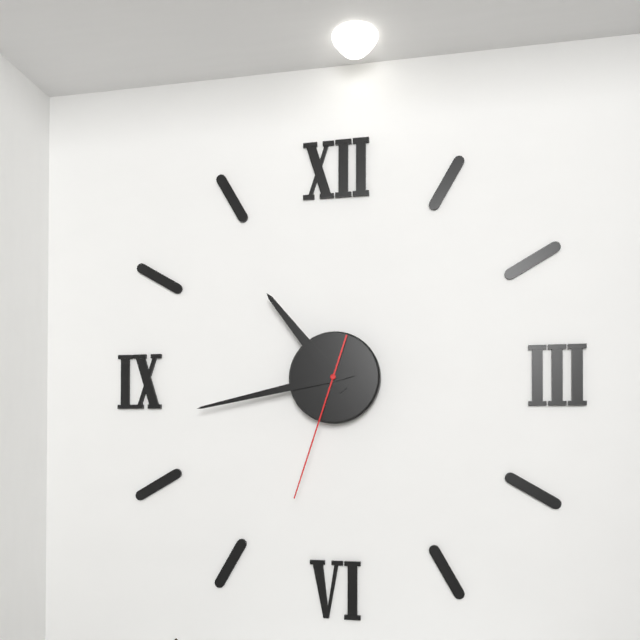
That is 10,43,33
